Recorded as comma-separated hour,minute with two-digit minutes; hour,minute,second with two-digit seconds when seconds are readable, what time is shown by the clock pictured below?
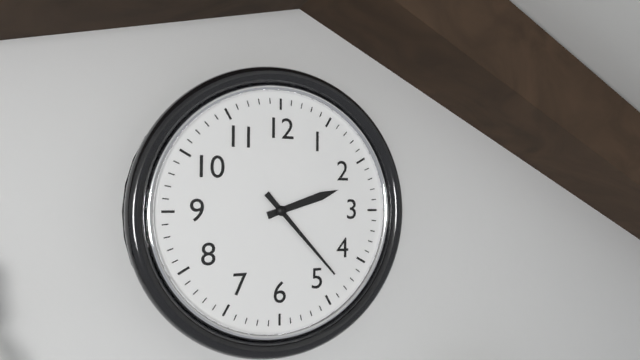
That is 2,23
